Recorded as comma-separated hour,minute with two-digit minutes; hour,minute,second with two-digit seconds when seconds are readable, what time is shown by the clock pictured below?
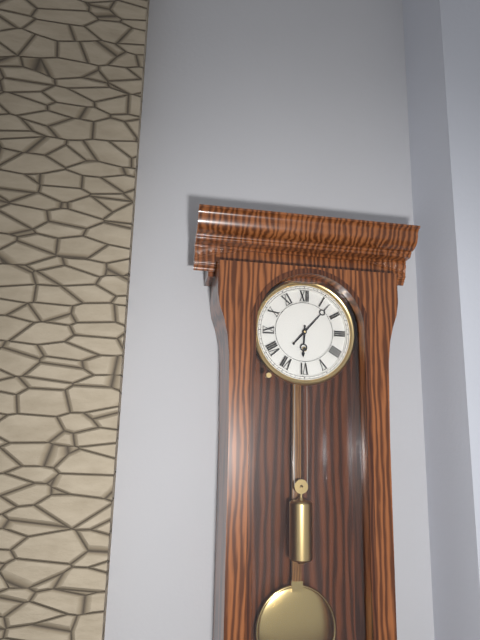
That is 6,07
